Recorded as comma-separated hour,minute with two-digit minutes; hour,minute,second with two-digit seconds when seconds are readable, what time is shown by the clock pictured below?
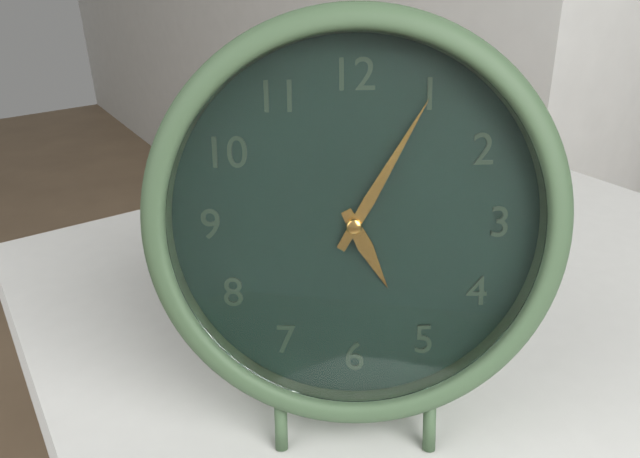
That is 5,05
